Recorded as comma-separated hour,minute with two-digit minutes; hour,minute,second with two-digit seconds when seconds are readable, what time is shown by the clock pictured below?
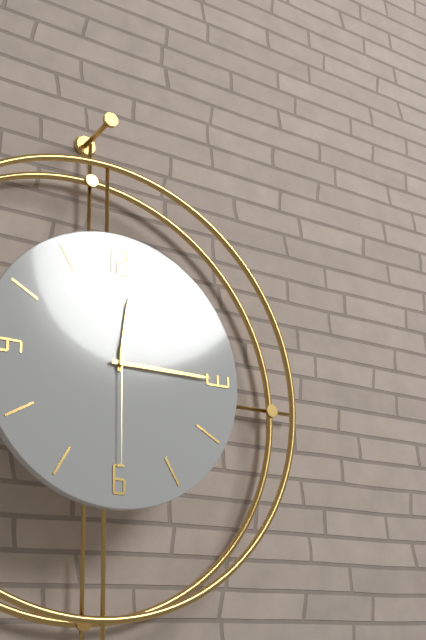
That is 12,15,30
